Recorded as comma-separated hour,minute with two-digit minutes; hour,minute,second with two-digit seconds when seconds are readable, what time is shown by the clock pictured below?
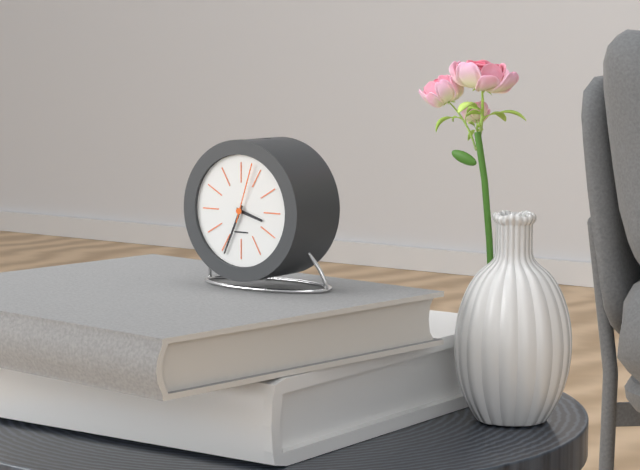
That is 3,34,03
